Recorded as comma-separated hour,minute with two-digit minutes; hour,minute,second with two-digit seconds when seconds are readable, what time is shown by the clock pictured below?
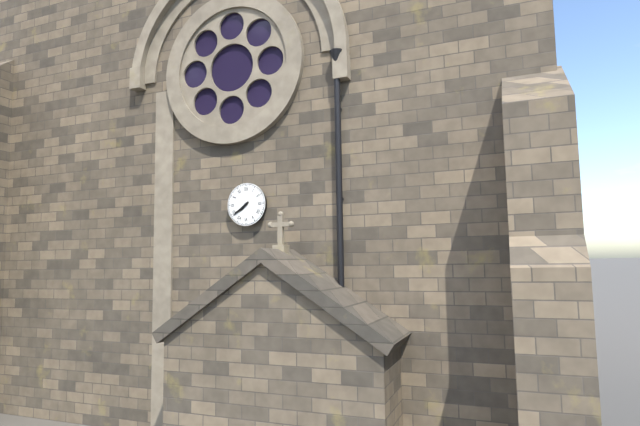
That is 7,39
